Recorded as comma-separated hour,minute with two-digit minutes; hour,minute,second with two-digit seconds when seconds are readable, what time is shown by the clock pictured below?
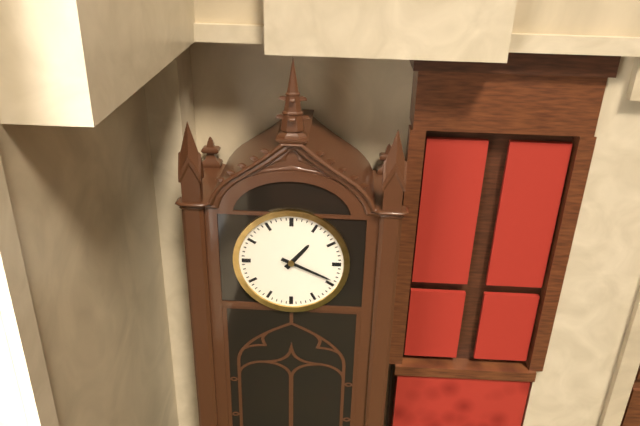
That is 1,19
